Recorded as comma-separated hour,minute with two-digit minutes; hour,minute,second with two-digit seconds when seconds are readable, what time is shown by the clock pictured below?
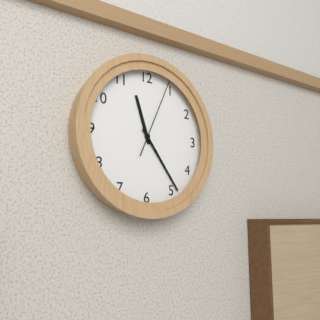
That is 11,24,04
